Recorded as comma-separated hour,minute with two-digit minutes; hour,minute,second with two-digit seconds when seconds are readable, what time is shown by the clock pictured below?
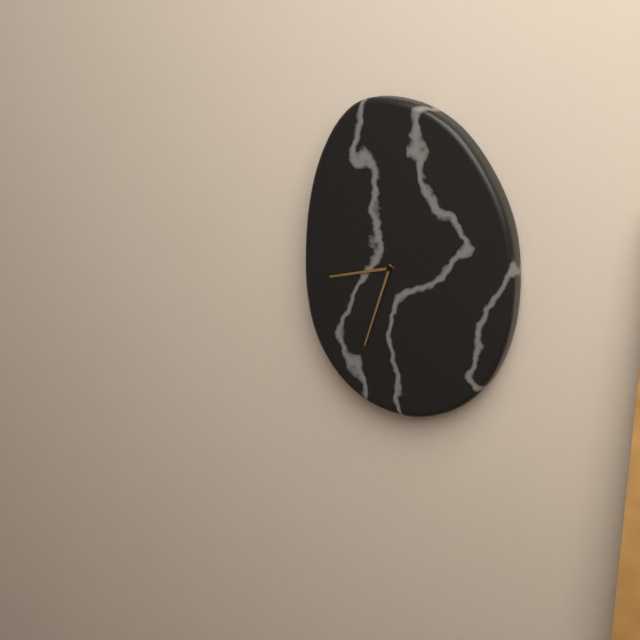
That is 8,33
